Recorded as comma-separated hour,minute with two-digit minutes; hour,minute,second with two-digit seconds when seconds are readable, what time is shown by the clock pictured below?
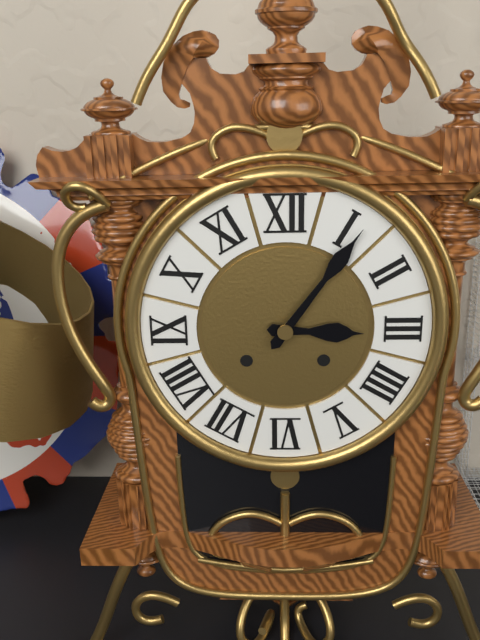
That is 3,06
